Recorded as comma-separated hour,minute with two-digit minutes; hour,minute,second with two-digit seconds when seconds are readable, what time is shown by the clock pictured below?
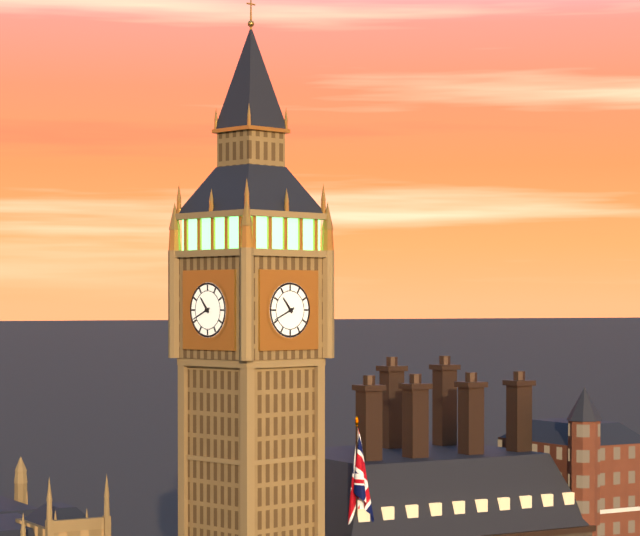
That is 10,41
